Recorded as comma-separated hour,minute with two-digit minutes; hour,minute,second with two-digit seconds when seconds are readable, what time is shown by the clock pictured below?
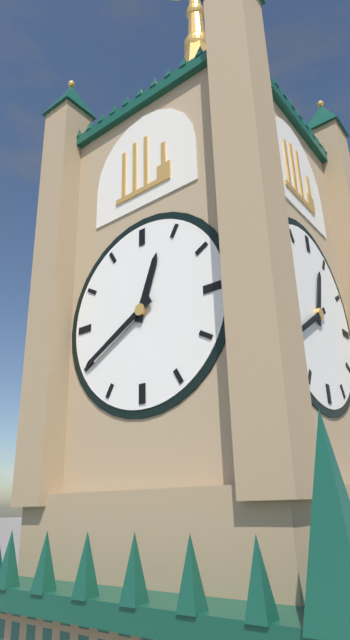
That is 12,40
